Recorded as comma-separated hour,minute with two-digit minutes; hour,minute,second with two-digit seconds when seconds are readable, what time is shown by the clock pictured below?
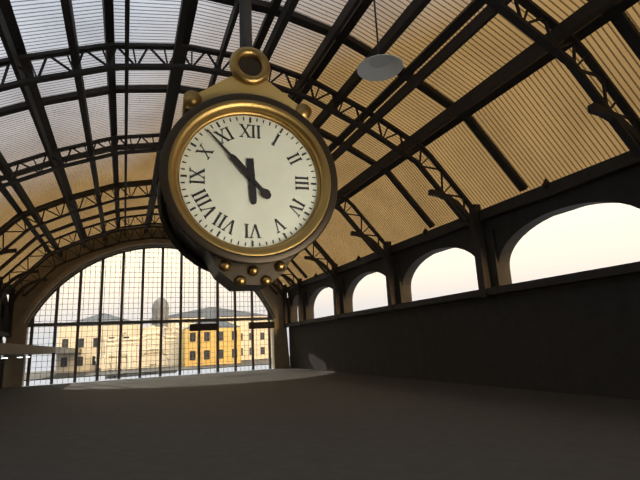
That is 5,53
